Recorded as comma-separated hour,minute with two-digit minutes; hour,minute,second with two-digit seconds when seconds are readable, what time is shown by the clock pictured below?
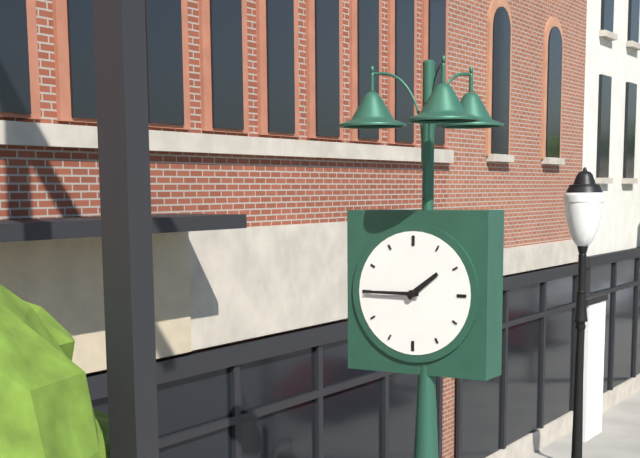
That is 1,45
